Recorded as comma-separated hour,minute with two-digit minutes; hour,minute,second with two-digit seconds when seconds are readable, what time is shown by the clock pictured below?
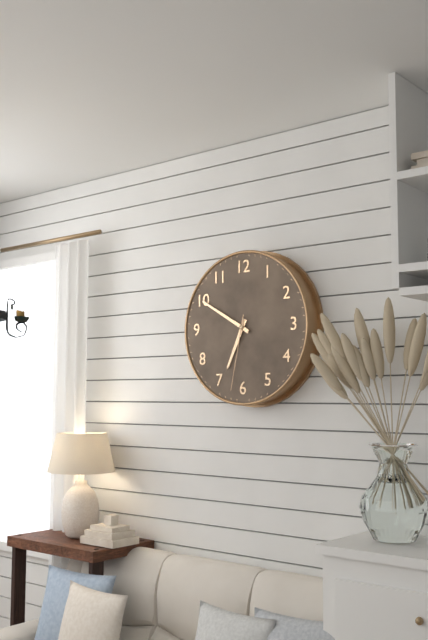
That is 6,50,32
